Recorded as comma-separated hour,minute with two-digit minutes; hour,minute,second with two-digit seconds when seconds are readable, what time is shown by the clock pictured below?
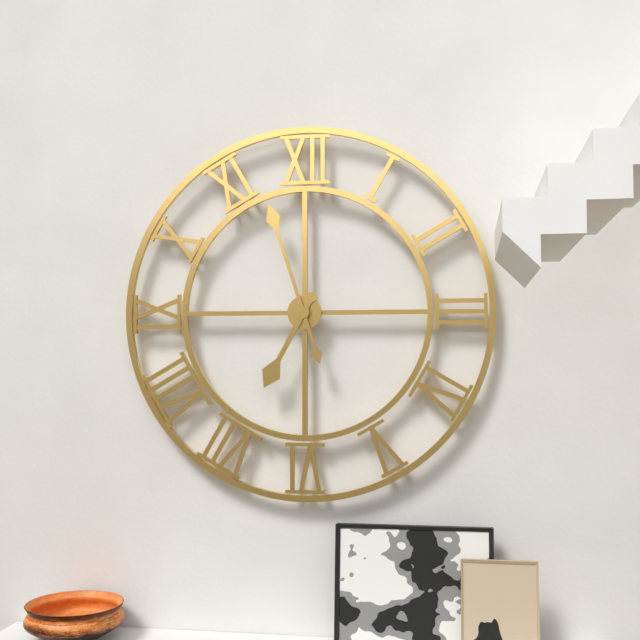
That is 6,57
